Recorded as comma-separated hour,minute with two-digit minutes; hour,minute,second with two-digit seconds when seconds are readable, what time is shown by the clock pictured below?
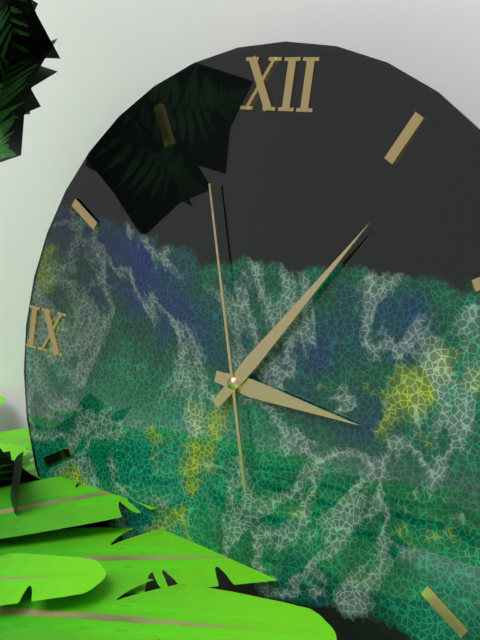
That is 3,06,57
